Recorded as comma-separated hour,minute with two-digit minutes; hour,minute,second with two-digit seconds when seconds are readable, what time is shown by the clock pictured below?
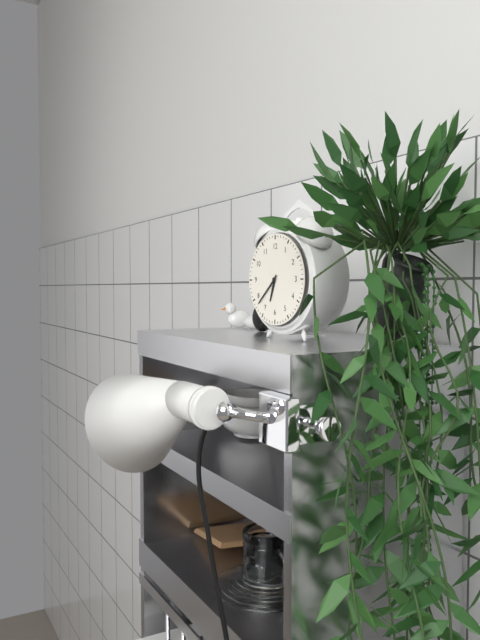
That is 6,38
